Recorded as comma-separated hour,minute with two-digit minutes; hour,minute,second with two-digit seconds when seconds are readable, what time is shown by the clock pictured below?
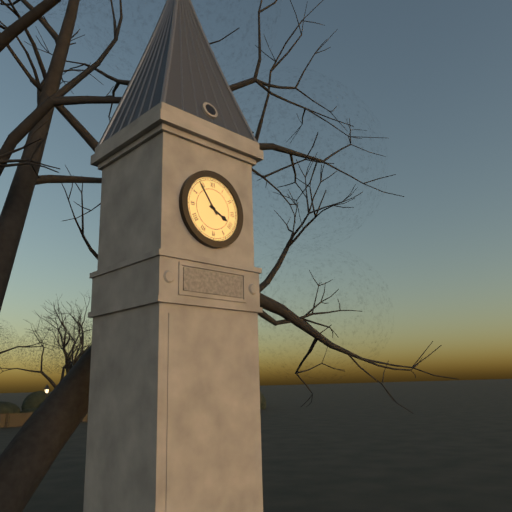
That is 3,54
